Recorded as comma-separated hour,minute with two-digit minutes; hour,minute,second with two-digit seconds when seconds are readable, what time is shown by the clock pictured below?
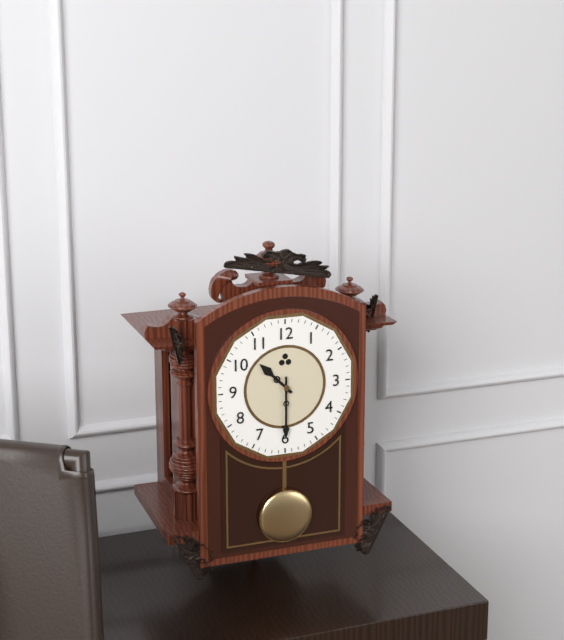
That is 10,30
